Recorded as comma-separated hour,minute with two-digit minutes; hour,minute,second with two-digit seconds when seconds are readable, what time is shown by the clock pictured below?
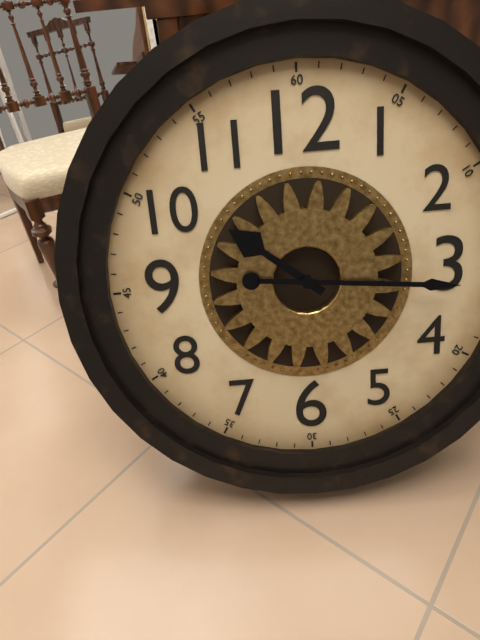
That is 10,16
